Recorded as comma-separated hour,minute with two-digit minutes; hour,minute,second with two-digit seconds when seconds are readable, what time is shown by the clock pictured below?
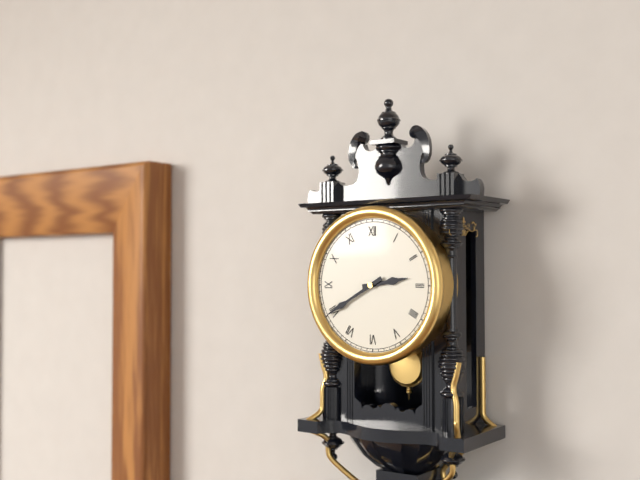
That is 2,40
